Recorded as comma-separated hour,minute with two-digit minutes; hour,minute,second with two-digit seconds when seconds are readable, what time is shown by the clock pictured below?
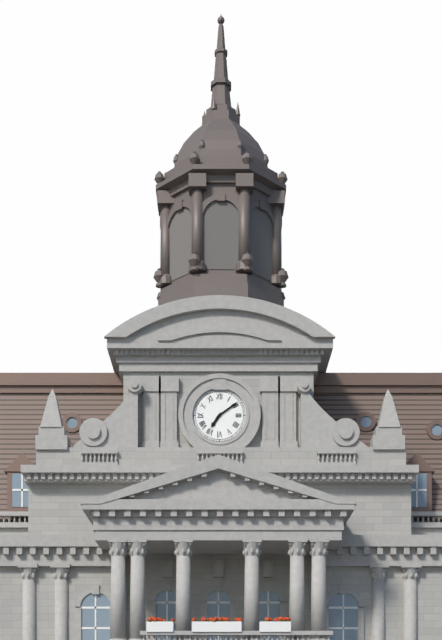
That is 7,09
